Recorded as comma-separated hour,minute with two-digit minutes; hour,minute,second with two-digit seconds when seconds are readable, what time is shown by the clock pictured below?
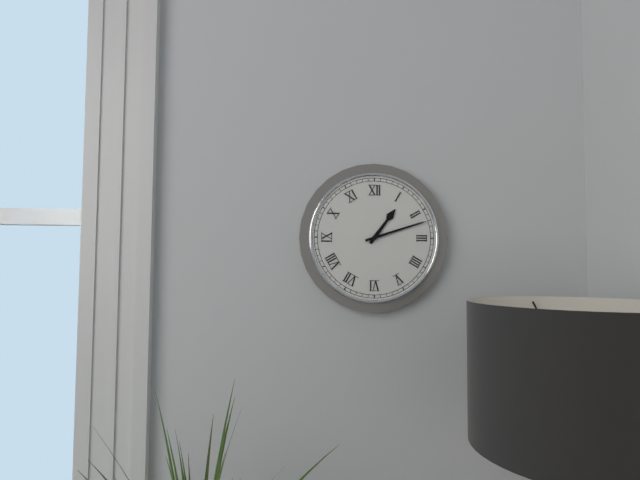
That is 1,12
